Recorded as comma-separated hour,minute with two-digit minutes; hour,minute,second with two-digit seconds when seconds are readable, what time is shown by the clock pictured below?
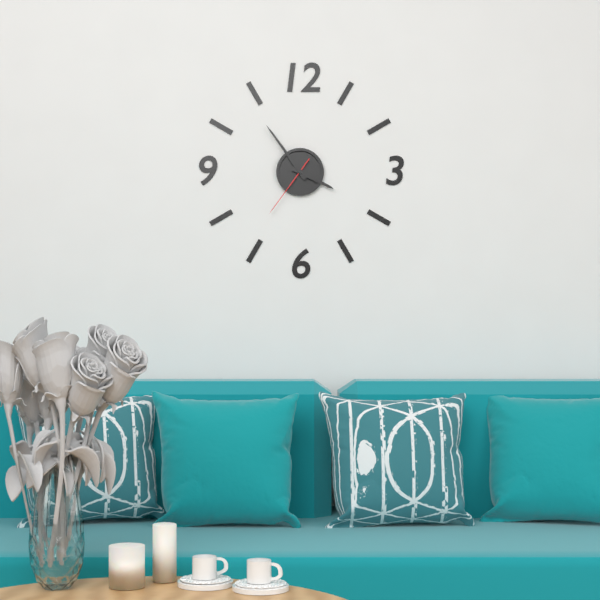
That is 3,54,36
